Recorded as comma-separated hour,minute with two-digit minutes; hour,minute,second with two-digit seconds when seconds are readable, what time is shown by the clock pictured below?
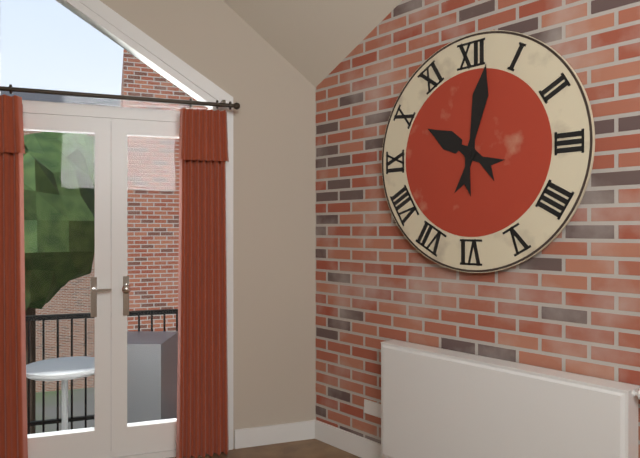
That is 10,02
